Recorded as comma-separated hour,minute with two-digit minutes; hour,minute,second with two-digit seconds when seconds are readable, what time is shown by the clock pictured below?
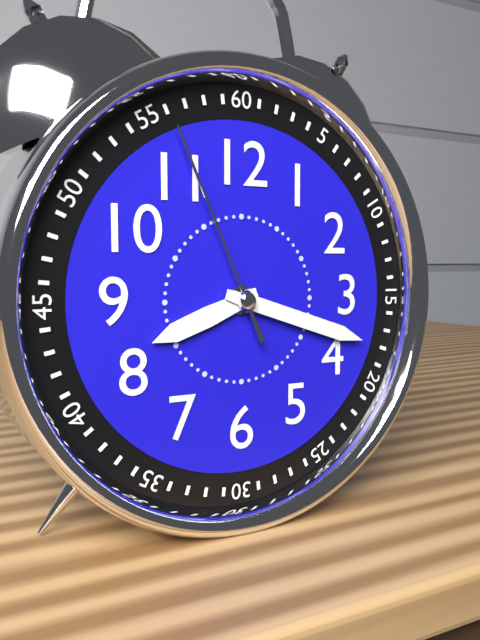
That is 8,18,56
